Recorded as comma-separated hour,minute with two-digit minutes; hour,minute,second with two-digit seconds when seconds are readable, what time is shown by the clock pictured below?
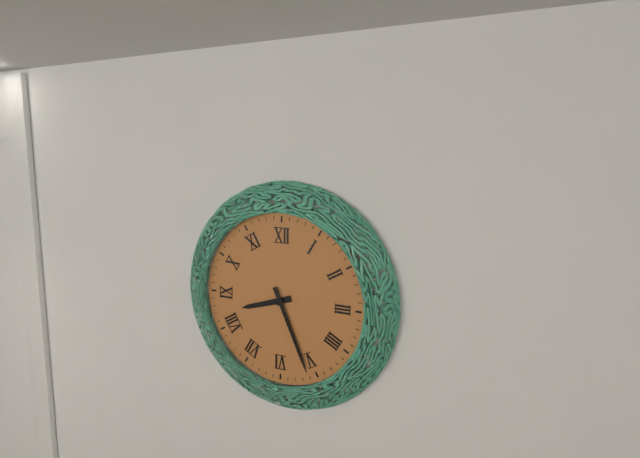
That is 8,26
